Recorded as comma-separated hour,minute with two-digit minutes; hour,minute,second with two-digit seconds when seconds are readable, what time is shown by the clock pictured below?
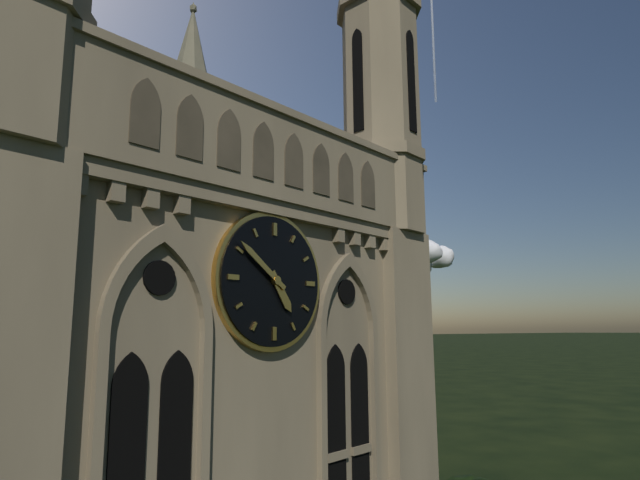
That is 4,51
